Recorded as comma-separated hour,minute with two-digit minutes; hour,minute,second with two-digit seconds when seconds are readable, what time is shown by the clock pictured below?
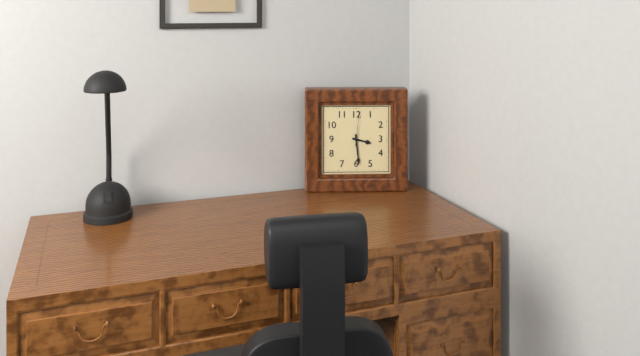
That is 3,29
